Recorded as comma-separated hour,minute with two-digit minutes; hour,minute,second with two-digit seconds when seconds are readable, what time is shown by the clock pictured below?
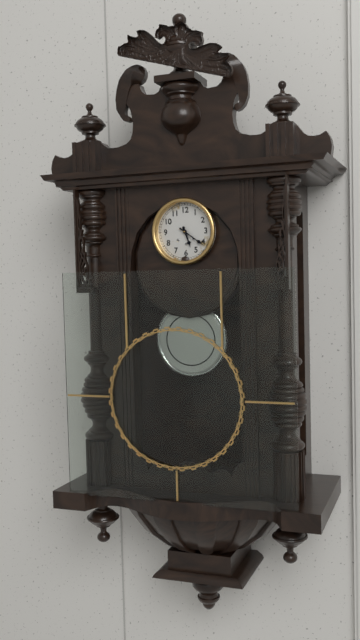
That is 5,21
